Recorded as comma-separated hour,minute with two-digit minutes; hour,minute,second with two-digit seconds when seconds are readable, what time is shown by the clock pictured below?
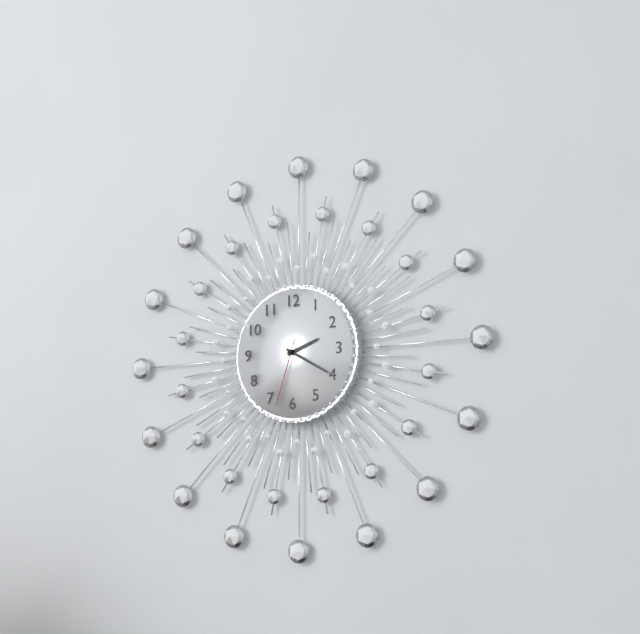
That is 2,20,33
